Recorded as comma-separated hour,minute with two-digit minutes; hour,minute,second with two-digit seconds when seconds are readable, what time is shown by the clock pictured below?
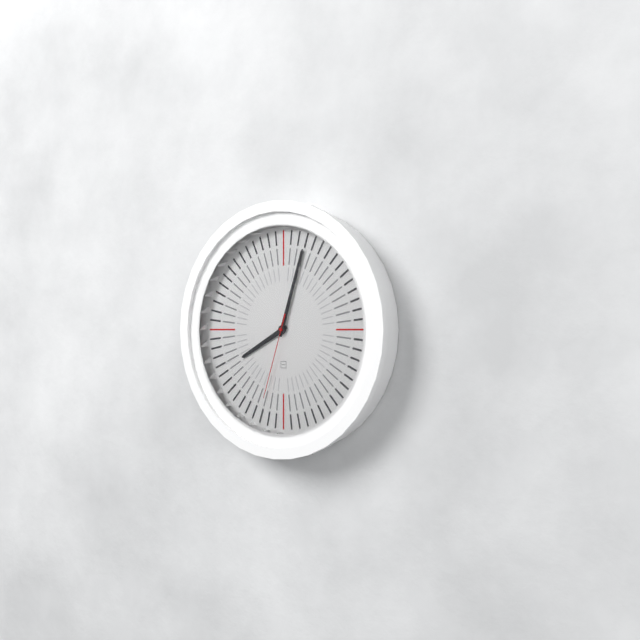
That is 8,03,33
